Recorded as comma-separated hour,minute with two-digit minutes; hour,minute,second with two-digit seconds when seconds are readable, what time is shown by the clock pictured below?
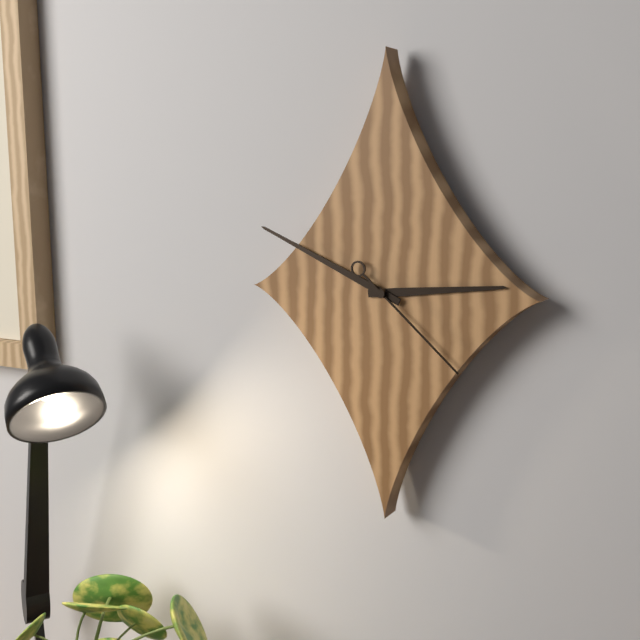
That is 2,49,22
